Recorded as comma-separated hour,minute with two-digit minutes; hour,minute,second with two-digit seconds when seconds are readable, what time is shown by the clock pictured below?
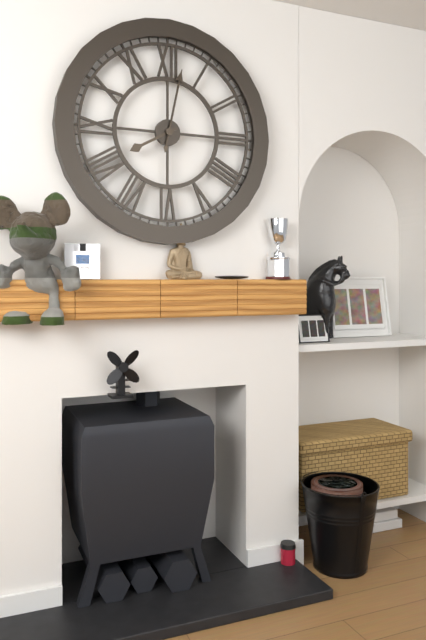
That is 8,02,02
